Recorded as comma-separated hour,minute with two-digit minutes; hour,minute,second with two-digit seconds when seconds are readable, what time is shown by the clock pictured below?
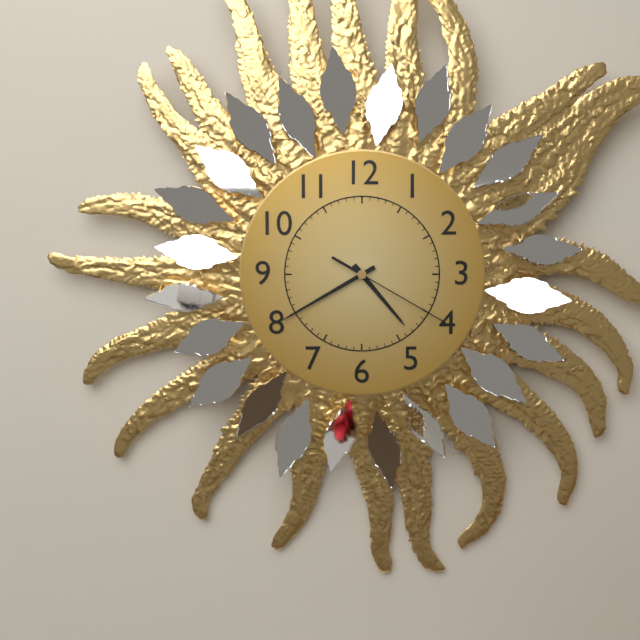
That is 4,40,20
